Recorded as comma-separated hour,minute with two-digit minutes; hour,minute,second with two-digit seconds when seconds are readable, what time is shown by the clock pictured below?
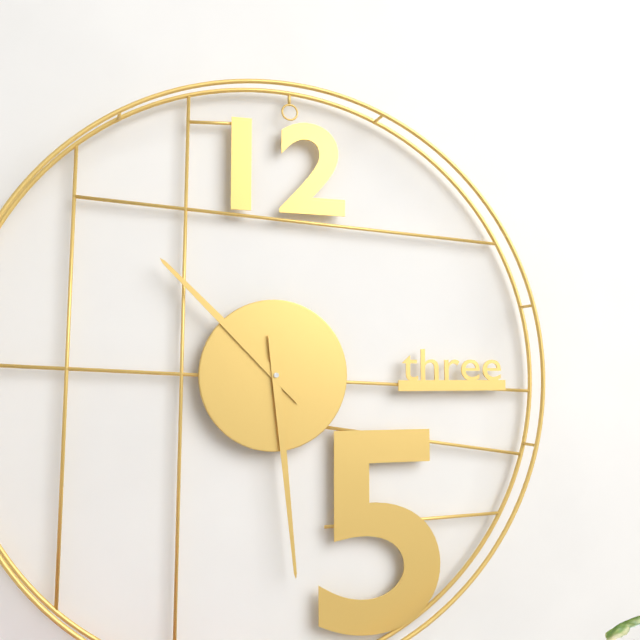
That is 10,29
